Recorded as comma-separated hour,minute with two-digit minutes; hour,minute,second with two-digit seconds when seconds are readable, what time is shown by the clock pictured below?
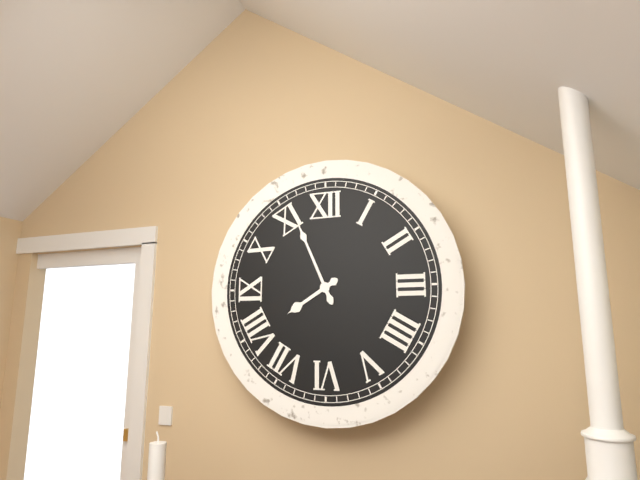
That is 7,56
